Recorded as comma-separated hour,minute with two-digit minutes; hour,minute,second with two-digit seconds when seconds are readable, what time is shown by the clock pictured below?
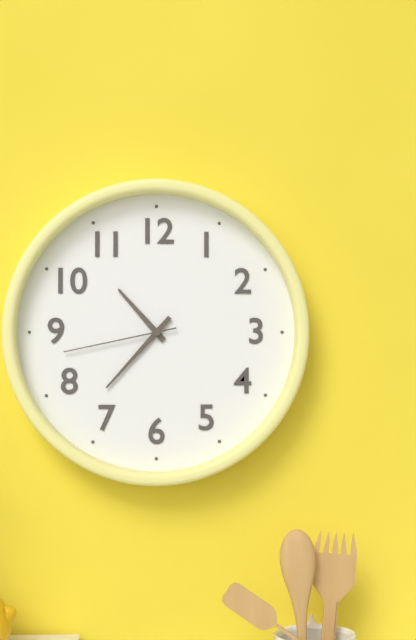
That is 10,37,43
